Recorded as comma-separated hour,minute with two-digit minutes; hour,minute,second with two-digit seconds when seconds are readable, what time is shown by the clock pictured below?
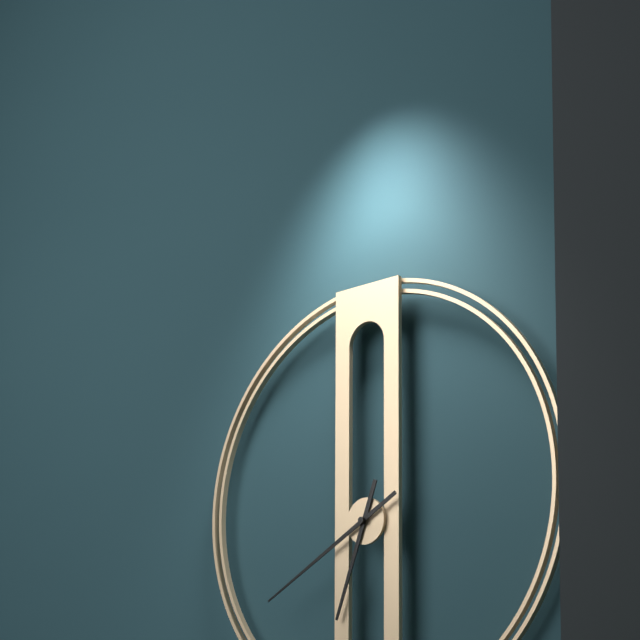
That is 6,40
